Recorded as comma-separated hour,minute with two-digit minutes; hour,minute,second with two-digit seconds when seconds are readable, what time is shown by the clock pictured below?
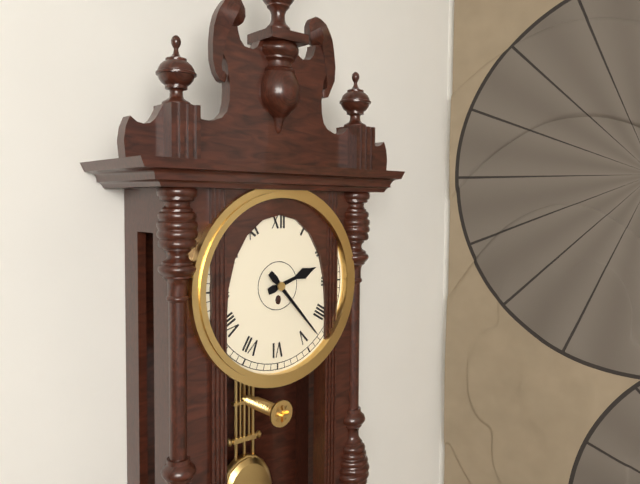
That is 2,23
